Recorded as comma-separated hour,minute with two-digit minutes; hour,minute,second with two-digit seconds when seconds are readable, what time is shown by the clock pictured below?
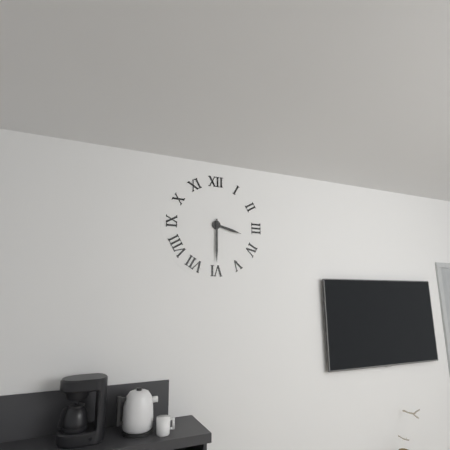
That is 3,30
